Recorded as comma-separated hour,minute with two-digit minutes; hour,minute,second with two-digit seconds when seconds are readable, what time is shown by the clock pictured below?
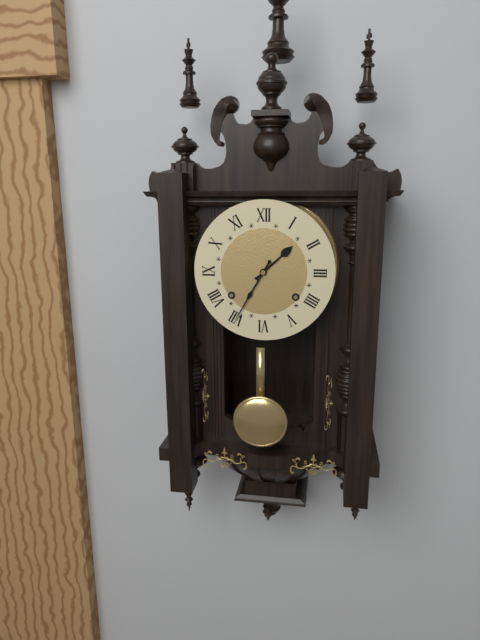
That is 1,35
